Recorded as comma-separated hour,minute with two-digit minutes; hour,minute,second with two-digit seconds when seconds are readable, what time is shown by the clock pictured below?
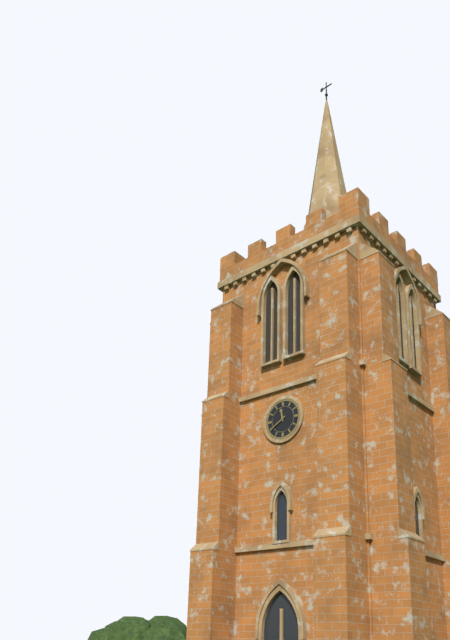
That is 11,40
